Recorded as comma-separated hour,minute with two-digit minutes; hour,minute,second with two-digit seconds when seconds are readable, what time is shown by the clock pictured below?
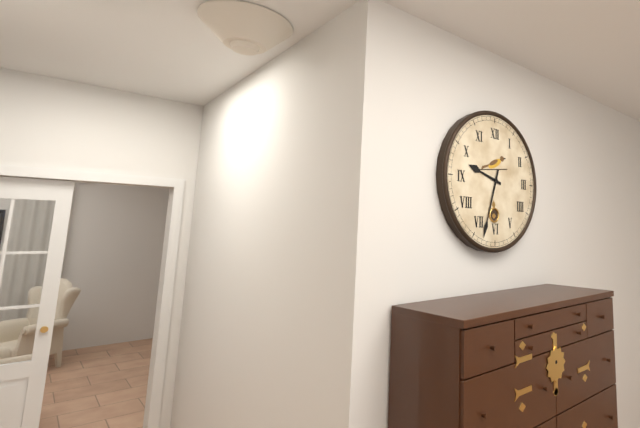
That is 9,33
